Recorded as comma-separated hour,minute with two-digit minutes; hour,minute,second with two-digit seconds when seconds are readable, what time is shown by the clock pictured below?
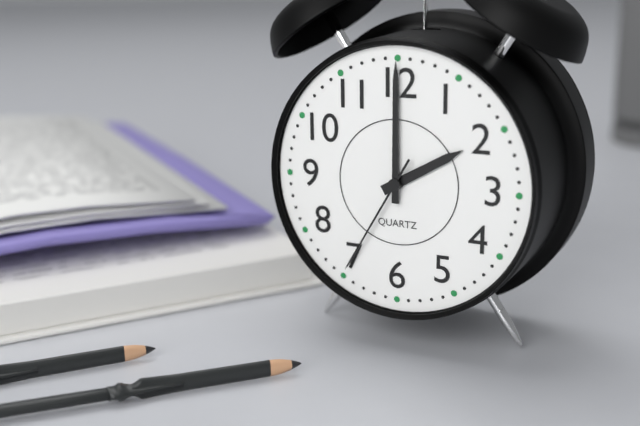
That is 2,00,35
